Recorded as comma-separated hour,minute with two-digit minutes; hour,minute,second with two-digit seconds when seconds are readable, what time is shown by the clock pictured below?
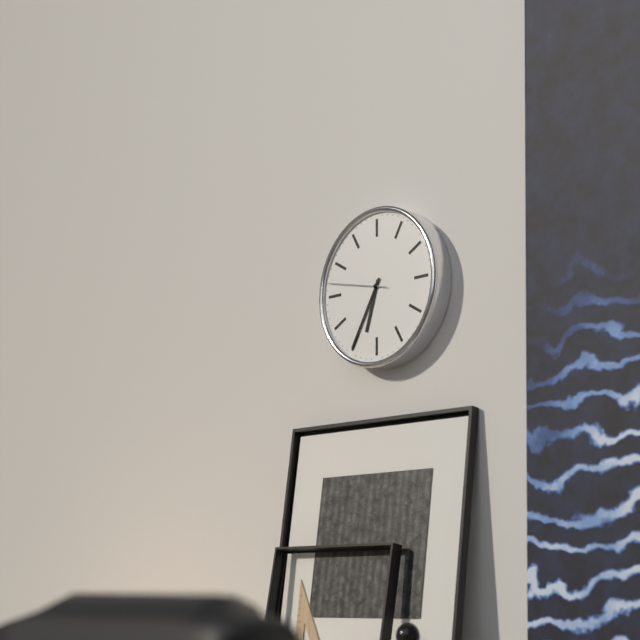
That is 6,35,47
